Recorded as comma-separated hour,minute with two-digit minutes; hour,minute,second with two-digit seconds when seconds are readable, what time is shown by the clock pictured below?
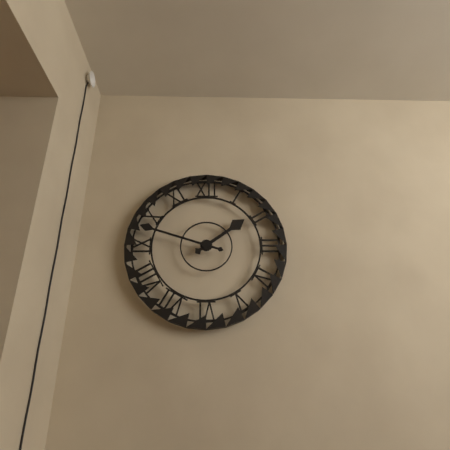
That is 1,48
